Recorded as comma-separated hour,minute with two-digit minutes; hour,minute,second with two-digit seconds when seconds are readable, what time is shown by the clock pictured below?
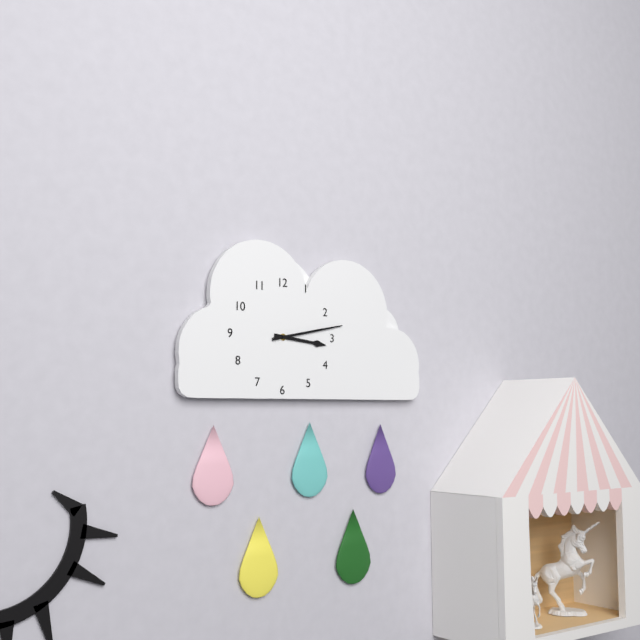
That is 3,13
